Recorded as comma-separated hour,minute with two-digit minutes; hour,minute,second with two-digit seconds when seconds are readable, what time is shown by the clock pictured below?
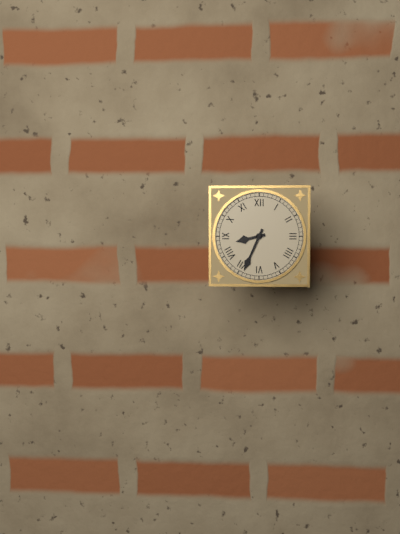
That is 8,34
